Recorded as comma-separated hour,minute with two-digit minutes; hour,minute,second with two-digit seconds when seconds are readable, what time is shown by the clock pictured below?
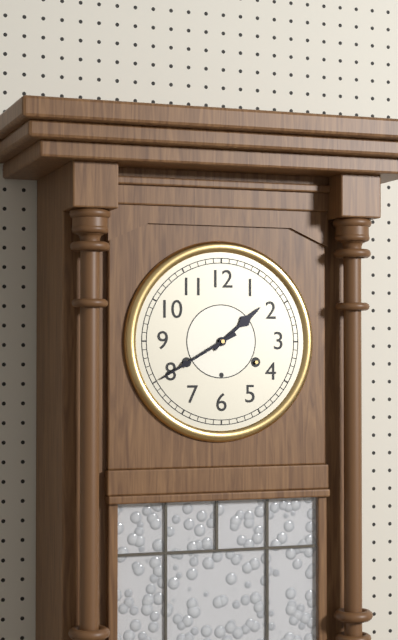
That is 1,40
